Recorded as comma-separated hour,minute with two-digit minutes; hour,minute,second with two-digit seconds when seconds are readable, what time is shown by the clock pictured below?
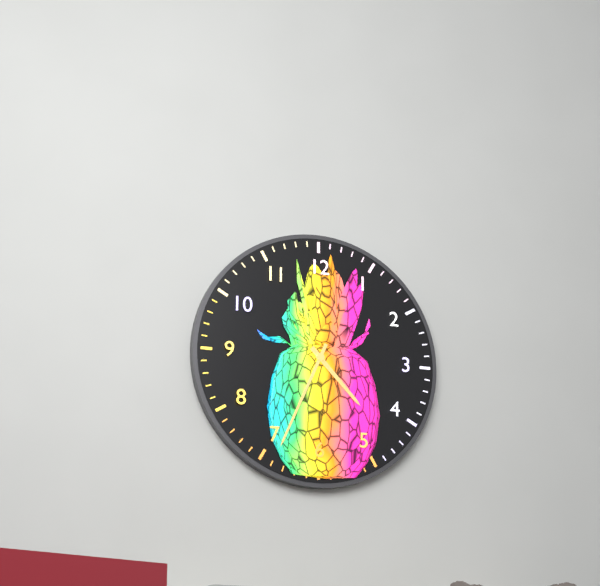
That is 4,34
